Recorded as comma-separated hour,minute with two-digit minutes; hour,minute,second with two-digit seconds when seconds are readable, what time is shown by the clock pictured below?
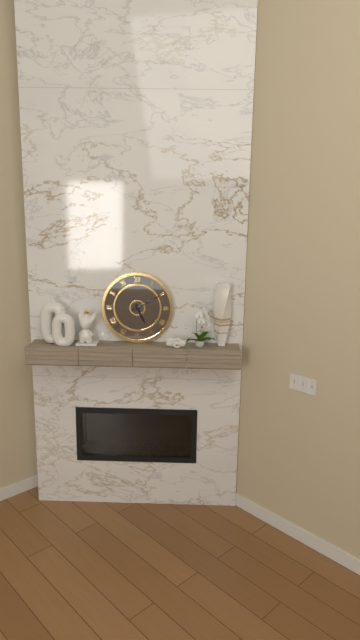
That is 5,10
